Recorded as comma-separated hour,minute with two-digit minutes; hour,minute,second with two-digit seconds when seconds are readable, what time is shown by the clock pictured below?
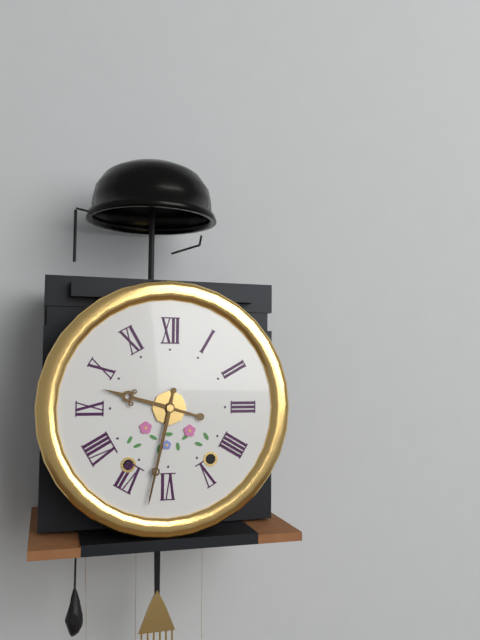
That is 9,32
